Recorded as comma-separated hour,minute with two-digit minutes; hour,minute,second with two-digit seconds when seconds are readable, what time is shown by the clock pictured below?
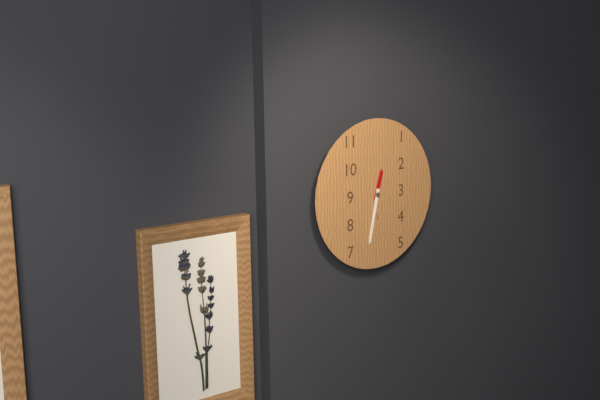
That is 12,32
